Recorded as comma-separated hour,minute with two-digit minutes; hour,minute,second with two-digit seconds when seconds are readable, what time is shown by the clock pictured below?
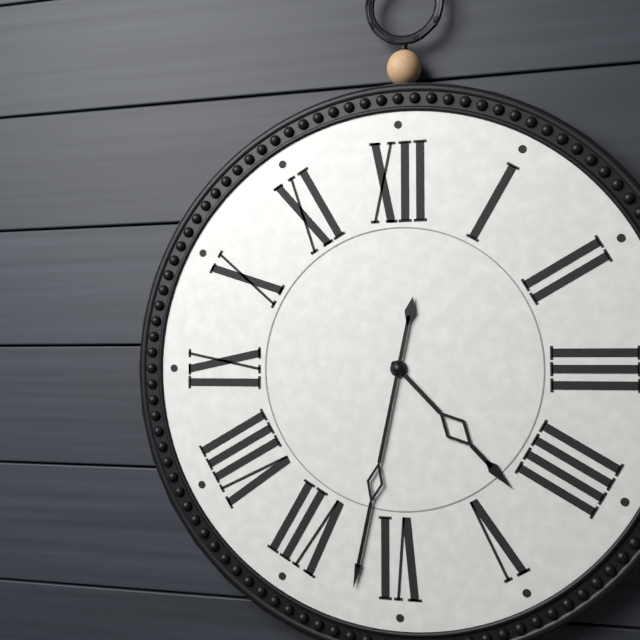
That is 4,32
